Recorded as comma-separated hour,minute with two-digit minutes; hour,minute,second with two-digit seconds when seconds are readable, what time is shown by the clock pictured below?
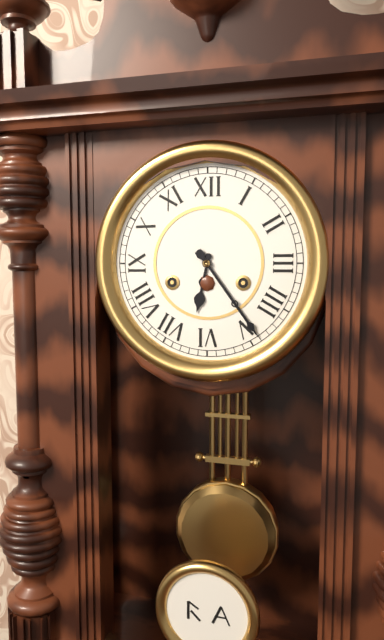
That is 6,24
